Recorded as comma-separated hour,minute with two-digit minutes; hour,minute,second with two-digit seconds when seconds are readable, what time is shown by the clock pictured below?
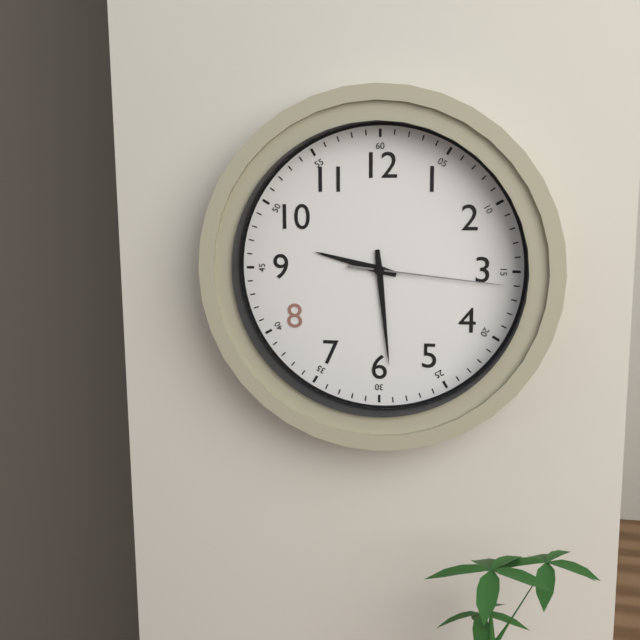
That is 9,29,16
